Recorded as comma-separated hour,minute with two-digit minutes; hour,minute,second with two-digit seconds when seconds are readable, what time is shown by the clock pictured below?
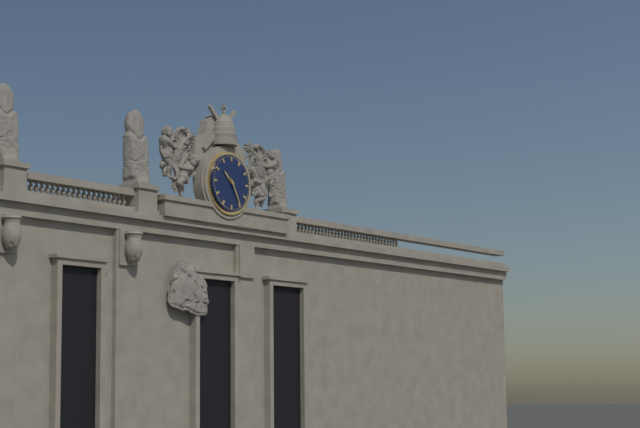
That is 10,25
